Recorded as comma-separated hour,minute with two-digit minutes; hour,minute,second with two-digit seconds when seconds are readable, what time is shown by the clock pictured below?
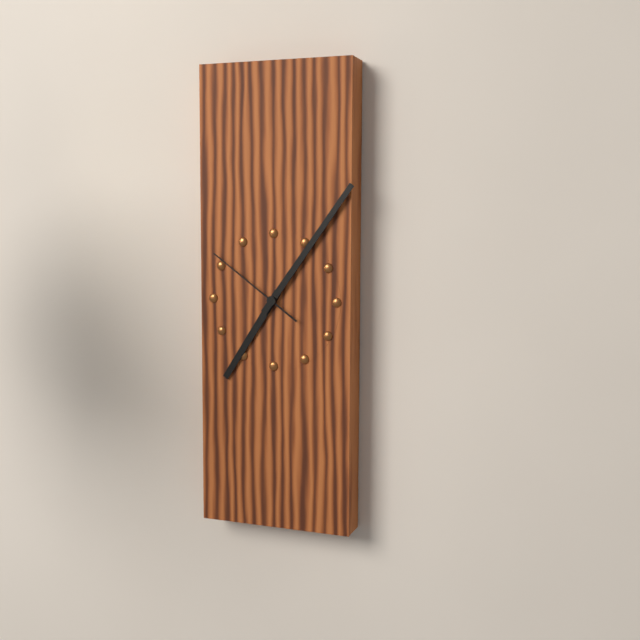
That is 7,06,51
